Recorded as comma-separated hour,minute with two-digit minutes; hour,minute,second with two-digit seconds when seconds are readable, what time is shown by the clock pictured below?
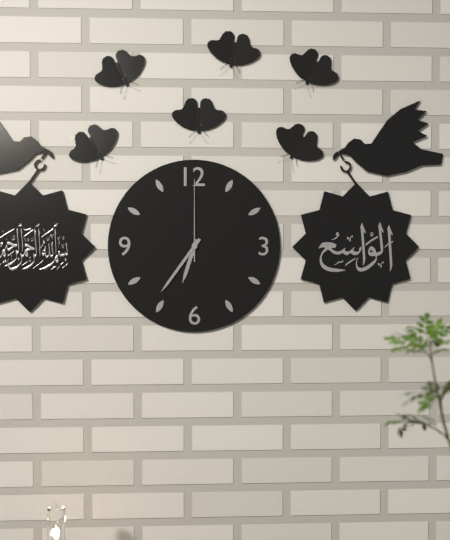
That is 6,36,00
